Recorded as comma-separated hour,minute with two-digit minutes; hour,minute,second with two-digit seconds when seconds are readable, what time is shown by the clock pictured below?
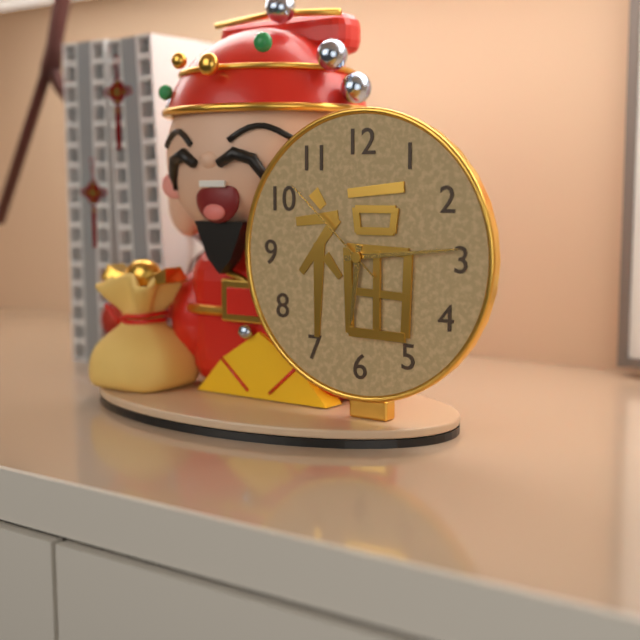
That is 6,14,52
